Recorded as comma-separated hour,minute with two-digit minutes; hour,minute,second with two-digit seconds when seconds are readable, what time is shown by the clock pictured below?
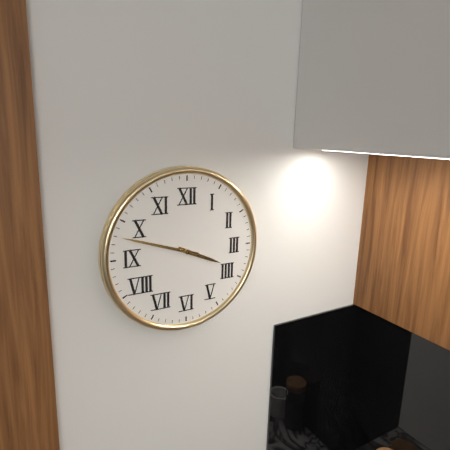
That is 3,48
